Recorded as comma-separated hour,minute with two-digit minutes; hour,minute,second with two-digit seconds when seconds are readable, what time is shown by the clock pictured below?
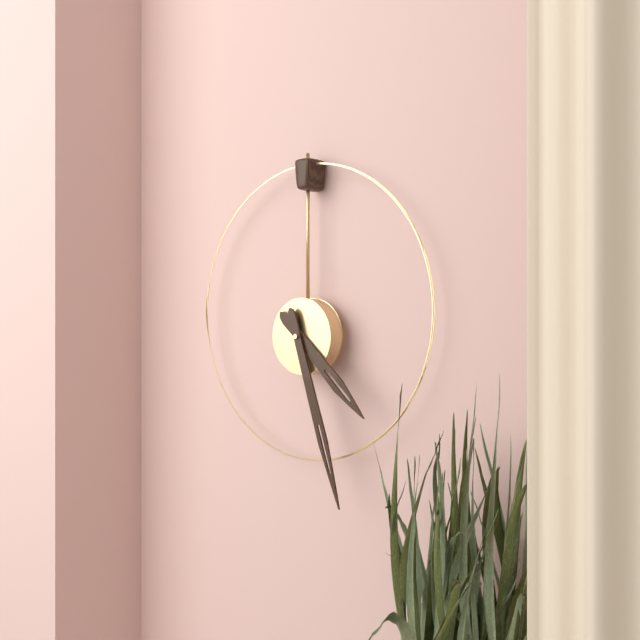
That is 4,27
